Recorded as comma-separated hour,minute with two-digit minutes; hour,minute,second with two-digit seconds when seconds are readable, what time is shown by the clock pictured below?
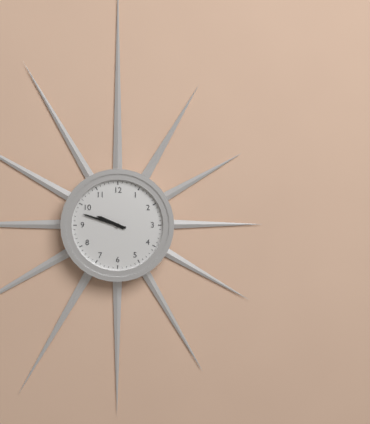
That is 9,48
